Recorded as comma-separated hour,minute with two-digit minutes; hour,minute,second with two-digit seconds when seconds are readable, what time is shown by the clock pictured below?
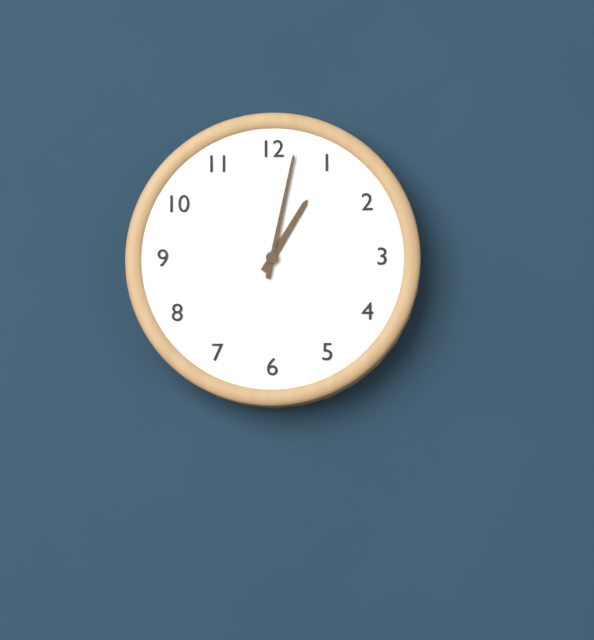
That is 1,02
